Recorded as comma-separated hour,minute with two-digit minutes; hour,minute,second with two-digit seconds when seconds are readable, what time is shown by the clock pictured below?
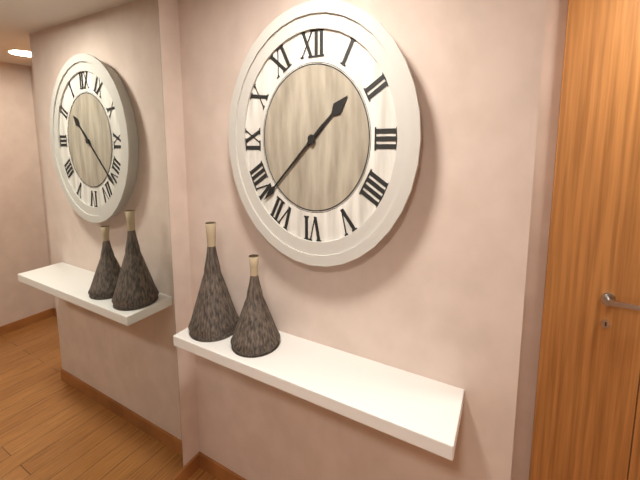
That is 1,38
